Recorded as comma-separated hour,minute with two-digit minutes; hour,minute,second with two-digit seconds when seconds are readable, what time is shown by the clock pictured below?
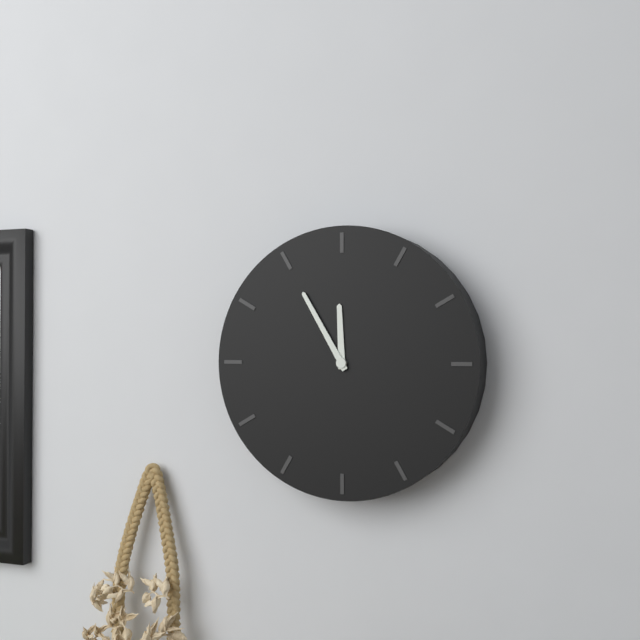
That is 11,55
